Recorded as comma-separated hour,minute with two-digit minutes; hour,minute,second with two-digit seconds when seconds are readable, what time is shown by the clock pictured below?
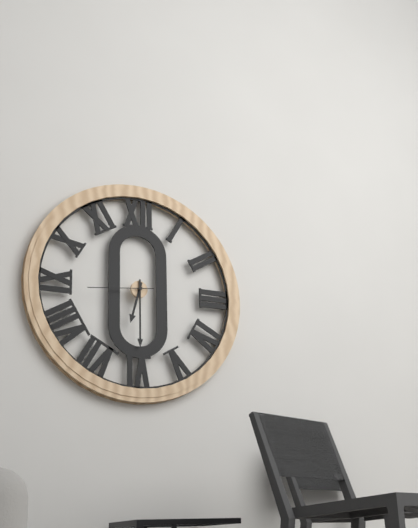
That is 6,30,44
